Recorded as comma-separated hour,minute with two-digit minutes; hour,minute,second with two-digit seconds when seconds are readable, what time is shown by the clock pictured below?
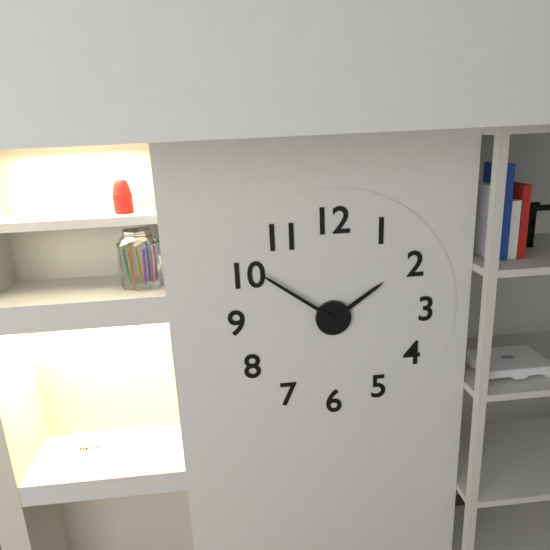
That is 1,51
